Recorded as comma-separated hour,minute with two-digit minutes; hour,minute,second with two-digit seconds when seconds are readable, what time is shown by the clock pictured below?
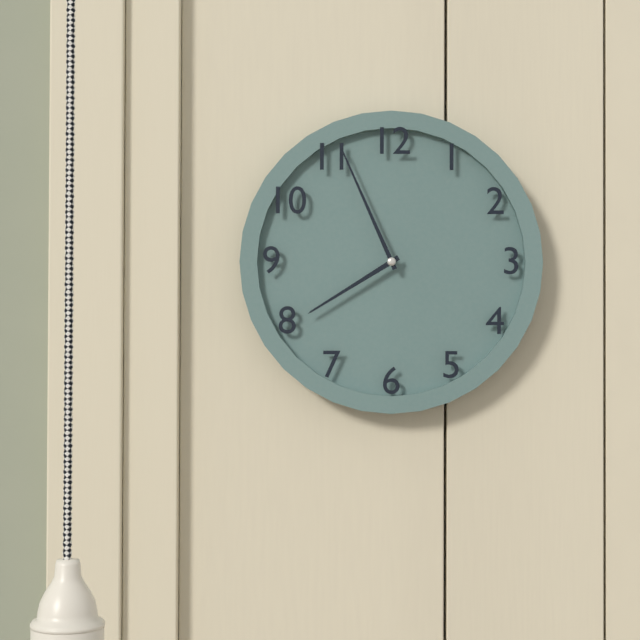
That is 7,56
